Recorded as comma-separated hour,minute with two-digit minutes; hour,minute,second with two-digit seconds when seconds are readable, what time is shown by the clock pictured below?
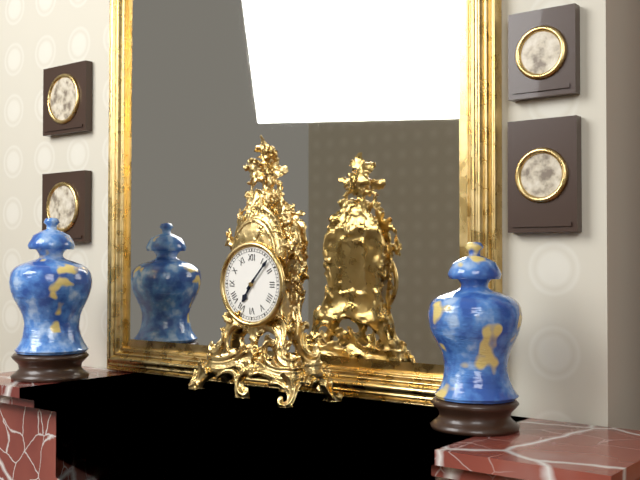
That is 7,07
